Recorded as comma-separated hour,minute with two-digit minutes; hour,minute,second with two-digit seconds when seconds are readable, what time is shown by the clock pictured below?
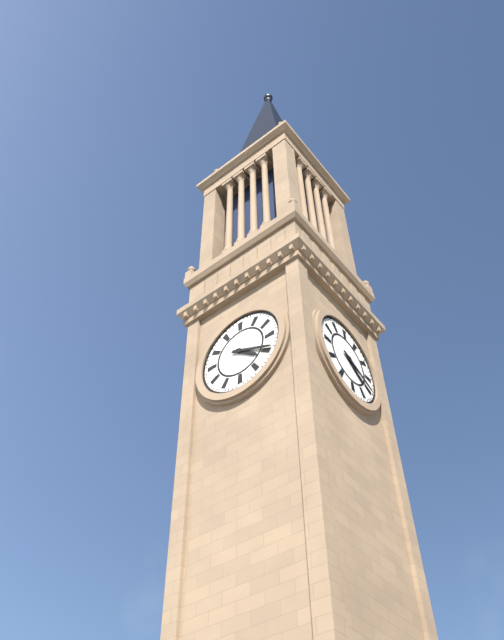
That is 4,19
